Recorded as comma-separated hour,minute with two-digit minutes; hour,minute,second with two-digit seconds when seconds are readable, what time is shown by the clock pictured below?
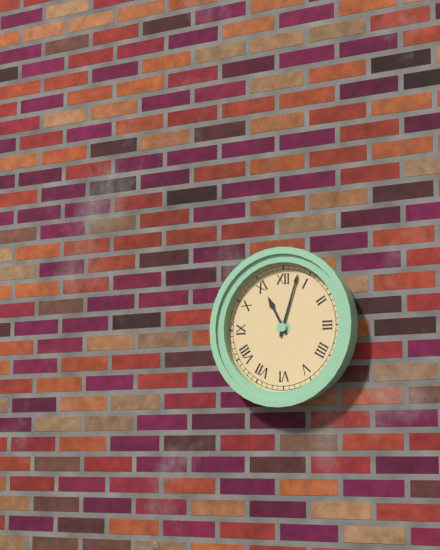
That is 11,03
